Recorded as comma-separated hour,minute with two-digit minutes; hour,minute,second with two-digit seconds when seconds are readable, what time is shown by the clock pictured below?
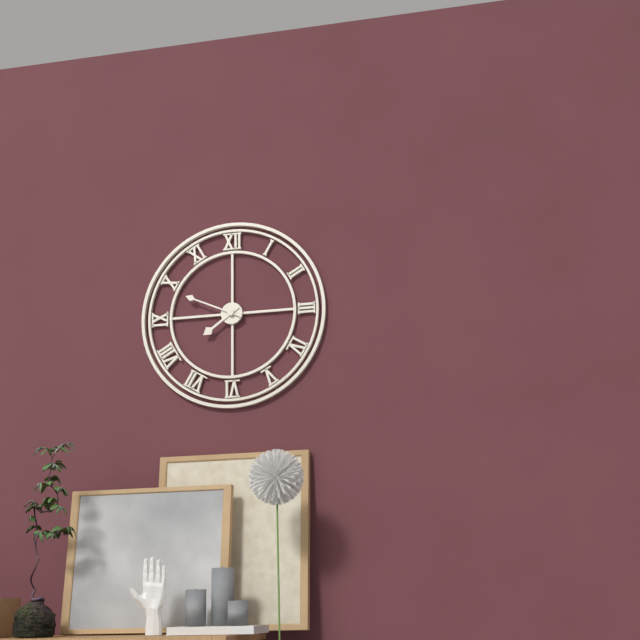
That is 7,49
